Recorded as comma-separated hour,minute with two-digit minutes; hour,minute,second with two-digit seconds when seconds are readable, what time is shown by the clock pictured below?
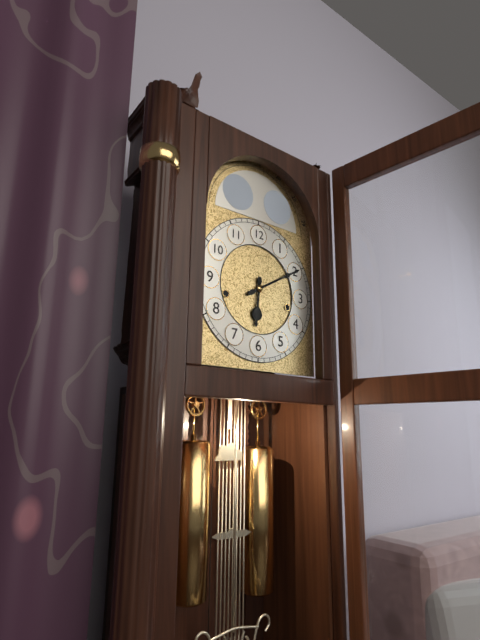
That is 6,10
